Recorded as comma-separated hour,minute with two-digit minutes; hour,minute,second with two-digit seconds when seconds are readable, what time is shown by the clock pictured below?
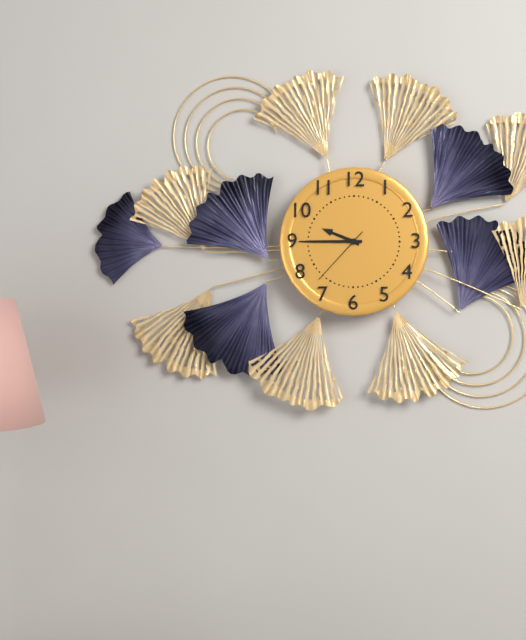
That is 9,45,37
